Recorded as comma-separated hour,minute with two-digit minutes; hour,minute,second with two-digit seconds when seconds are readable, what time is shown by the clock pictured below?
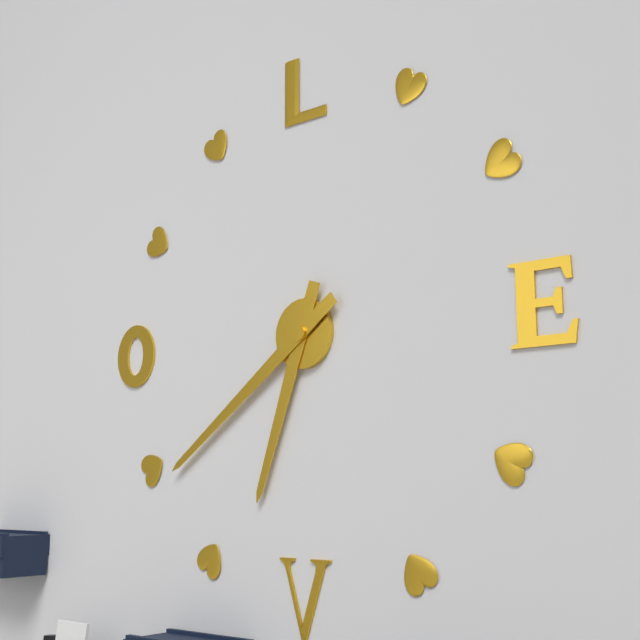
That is 6,39
